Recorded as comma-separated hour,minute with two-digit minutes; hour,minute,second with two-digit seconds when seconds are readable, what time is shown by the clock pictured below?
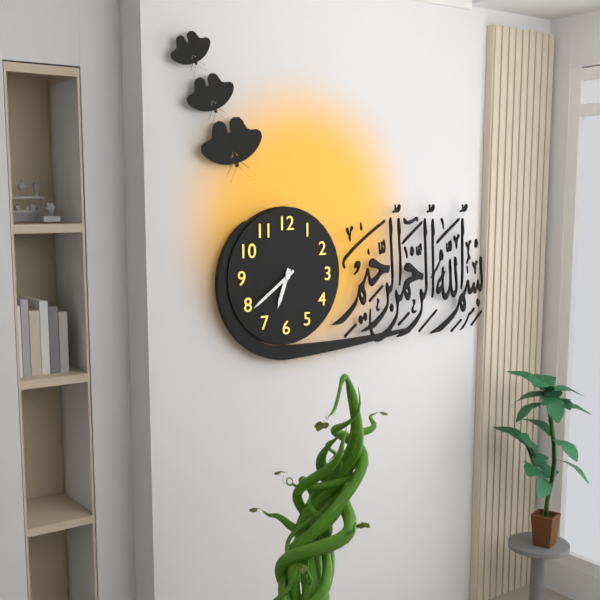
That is 6,39
